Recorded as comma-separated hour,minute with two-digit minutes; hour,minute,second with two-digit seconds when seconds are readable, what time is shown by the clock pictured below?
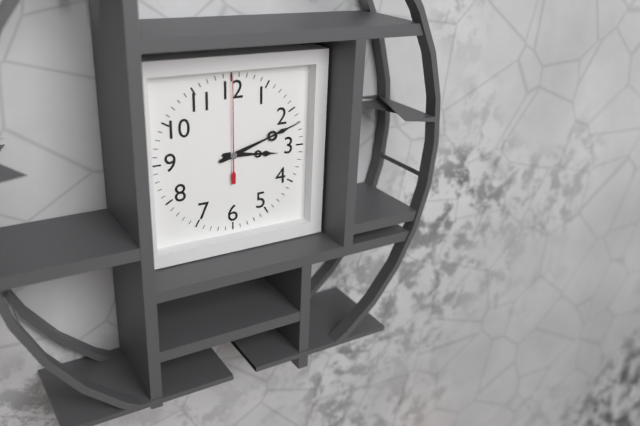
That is 3,12,00
